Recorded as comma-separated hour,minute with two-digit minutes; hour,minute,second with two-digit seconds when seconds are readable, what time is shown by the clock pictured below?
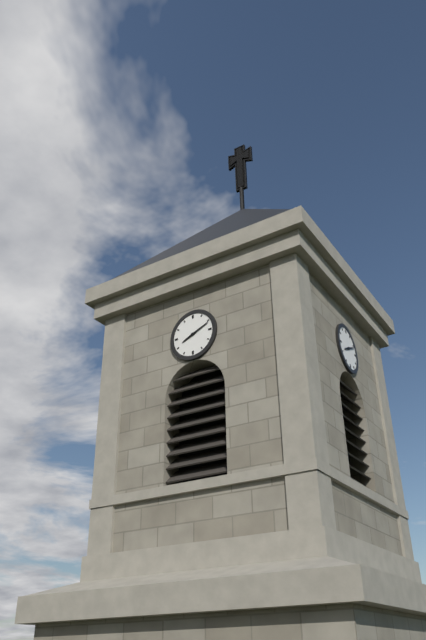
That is 8,11
